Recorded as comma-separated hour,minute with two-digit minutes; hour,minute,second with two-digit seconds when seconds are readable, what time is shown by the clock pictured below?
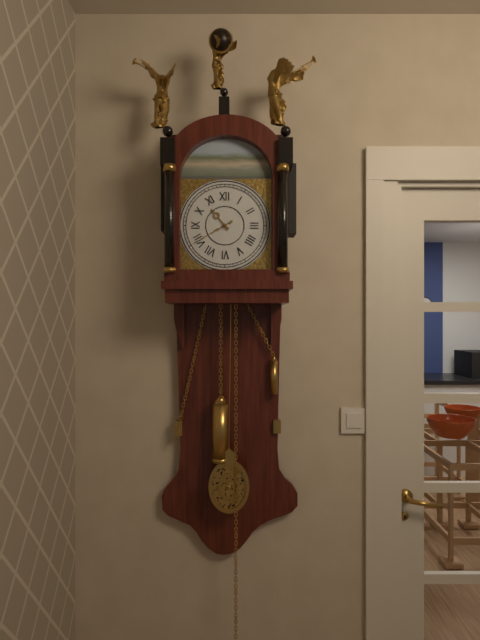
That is 10,40
